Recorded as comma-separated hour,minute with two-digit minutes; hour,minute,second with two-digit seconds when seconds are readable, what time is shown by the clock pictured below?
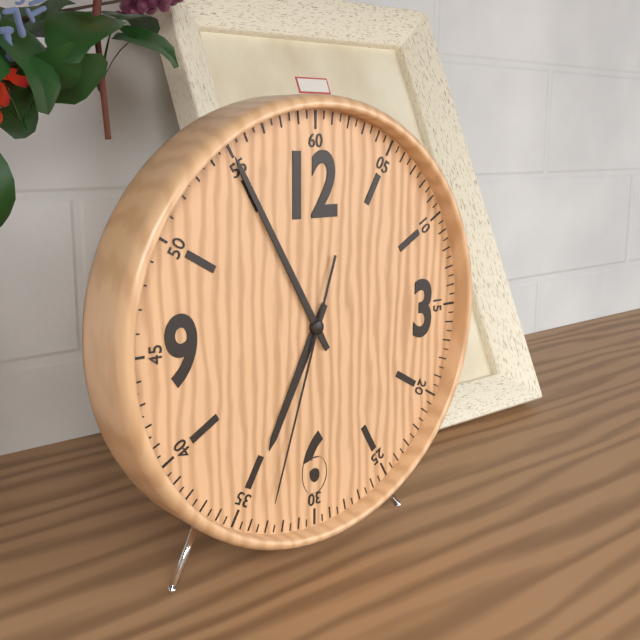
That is 6,55,33
